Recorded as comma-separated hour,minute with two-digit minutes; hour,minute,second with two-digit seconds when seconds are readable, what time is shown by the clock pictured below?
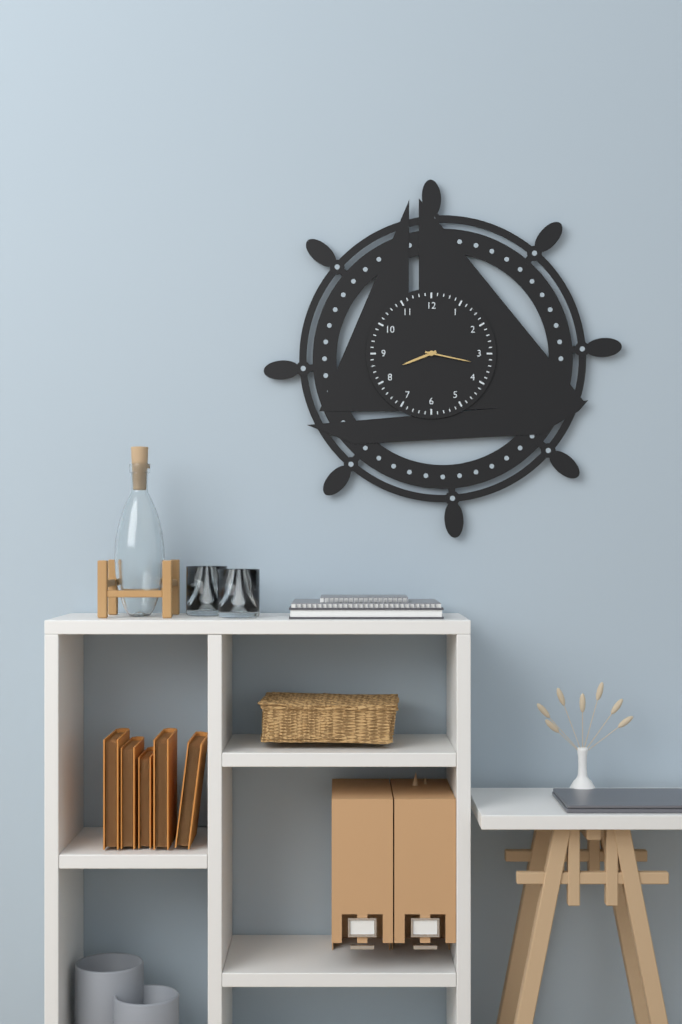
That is 8,17
